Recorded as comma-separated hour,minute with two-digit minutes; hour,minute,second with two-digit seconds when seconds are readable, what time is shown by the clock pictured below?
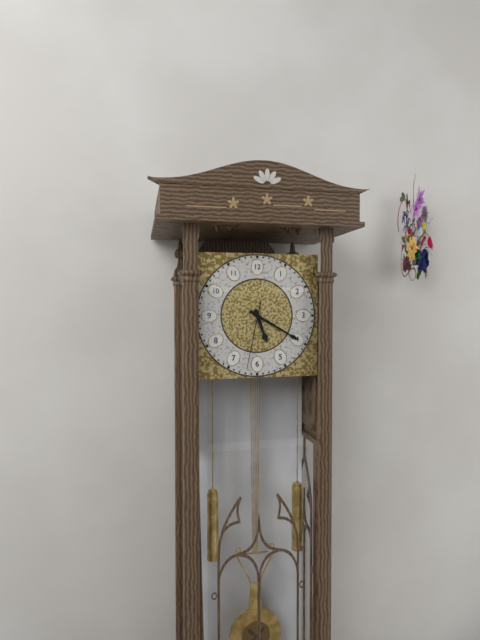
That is 5,20,32
